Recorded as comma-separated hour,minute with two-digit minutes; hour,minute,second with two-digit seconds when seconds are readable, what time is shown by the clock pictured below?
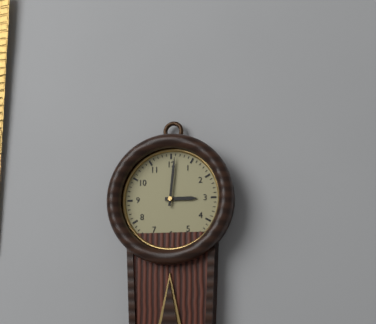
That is 3,01
